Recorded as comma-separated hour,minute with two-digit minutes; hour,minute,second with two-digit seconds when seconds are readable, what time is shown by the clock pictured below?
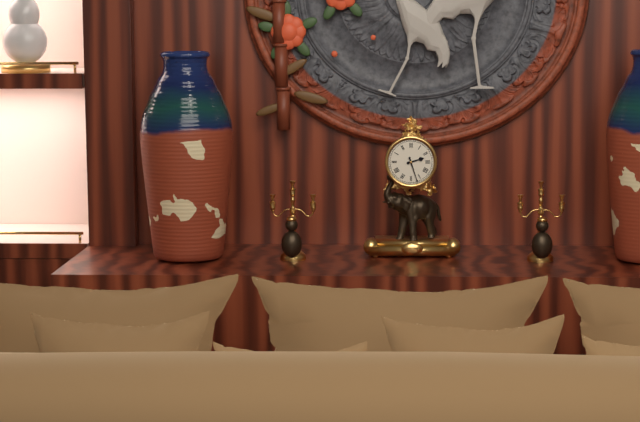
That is 2,27
